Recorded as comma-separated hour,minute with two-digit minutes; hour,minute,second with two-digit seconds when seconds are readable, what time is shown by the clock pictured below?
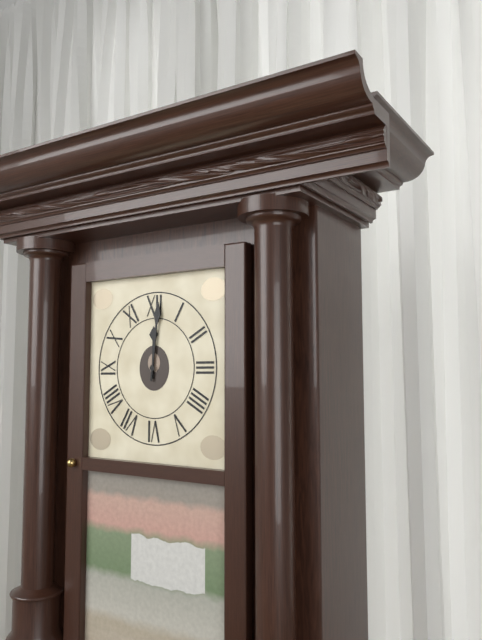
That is 12,01
